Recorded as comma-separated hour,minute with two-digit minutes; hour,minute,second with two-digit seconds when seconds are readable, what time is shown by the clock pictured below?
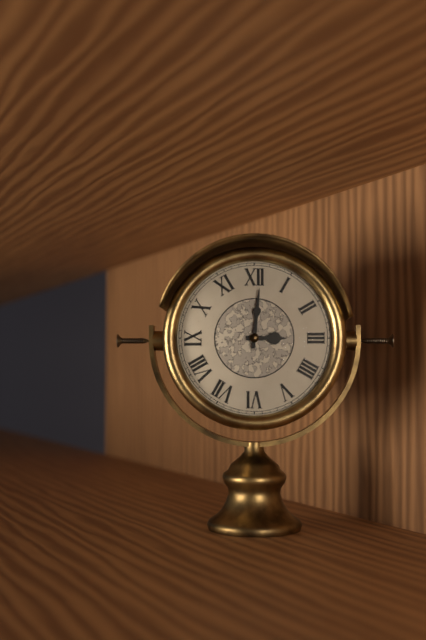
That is 3,01
